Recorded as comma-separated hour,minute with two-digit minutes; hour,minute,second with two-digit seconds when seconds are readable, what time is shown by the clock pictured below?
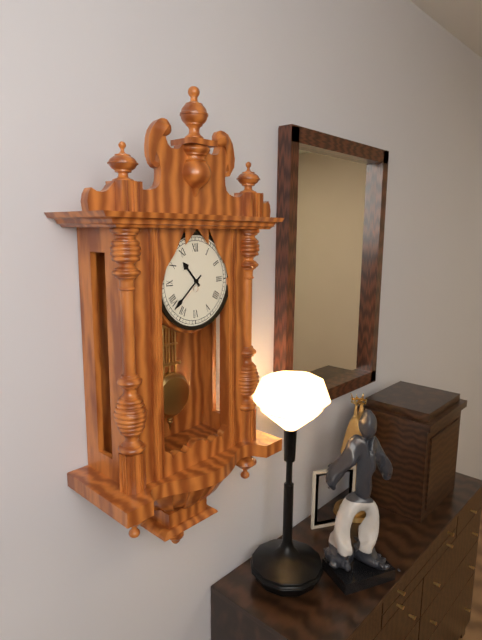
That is 10,38
